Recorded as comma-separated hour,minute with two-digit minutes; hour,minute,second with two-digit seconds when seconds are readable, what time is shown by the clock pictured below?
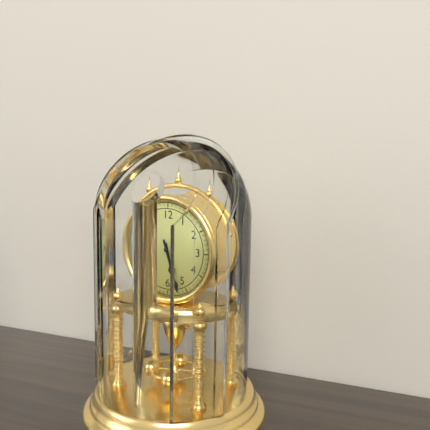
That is 5,27
